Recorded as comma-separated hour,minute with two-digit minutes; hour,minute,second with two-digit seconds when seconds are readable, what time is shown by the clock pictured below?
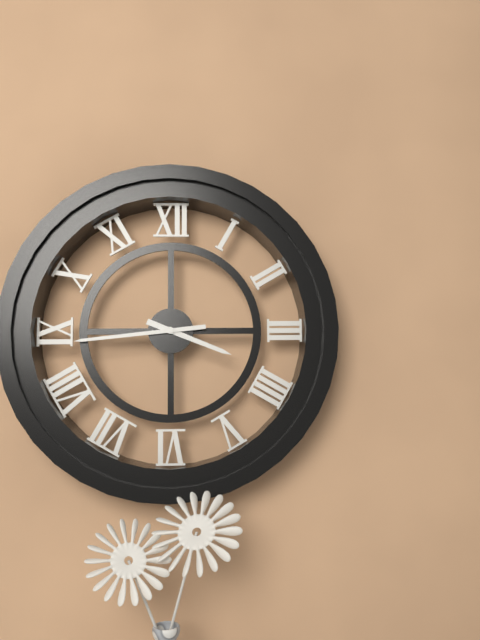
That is 3,44
